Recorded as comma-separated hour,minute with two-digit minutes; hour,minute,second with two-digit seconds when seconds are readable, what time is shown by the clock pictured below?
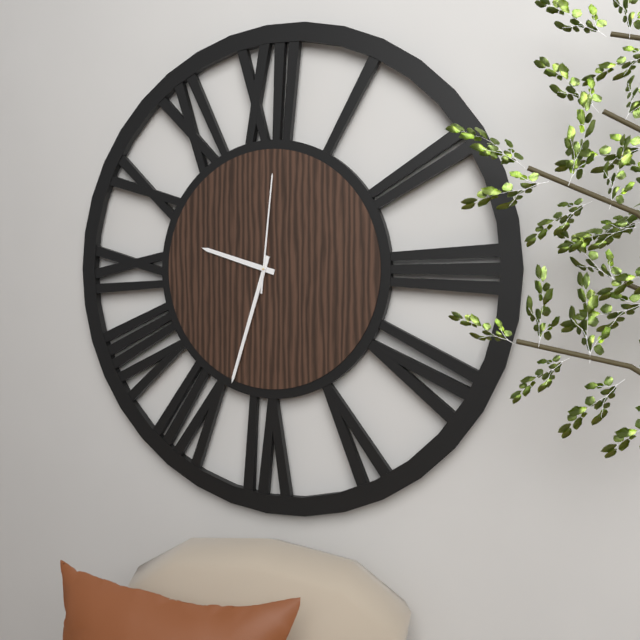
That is 9,33,01
